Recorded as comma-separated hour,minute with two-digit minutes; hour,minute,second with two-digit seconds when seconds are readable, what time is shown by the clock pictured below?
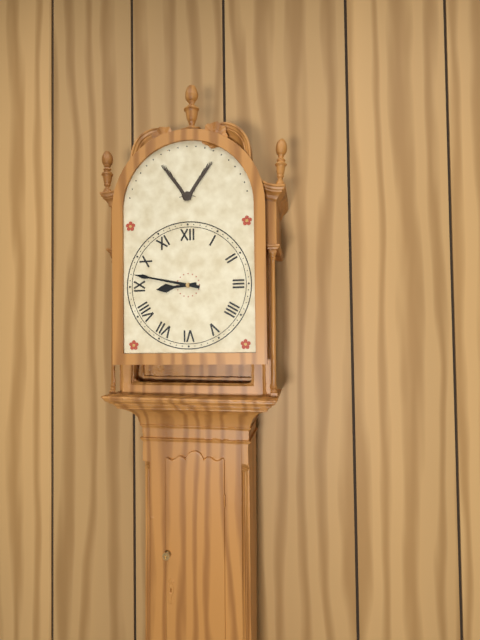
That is 8,47
